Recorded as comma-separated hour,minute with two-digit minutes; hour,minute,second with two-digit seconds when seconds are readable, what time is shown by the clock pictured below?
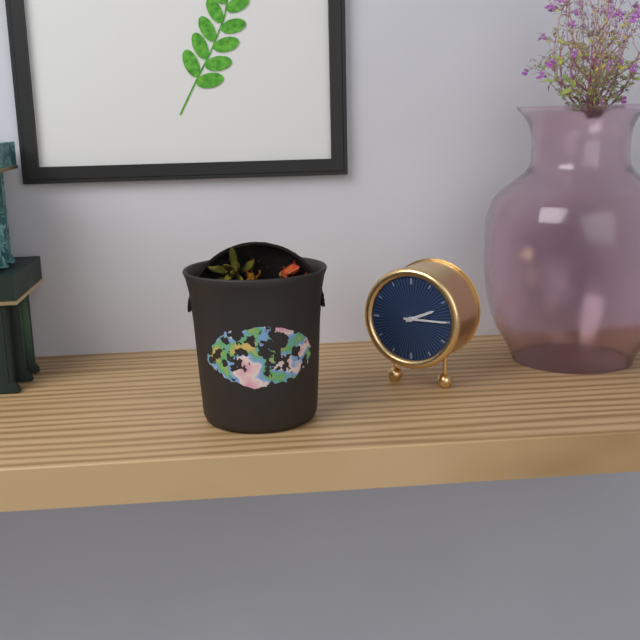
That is 2,15
